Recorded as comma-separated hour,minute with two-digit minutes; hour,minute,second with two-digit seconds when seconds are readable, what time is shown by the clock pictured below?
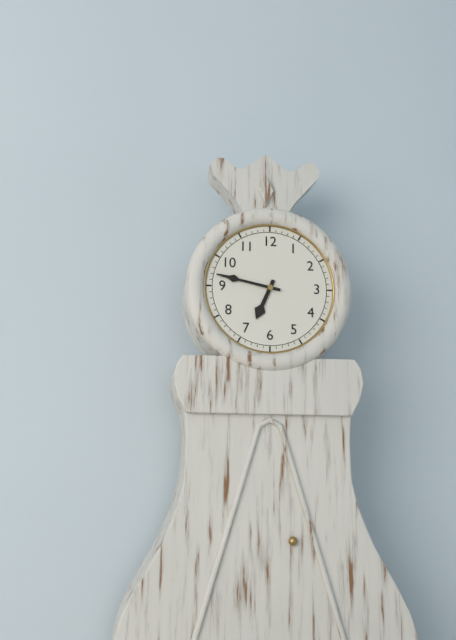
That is 6,47
